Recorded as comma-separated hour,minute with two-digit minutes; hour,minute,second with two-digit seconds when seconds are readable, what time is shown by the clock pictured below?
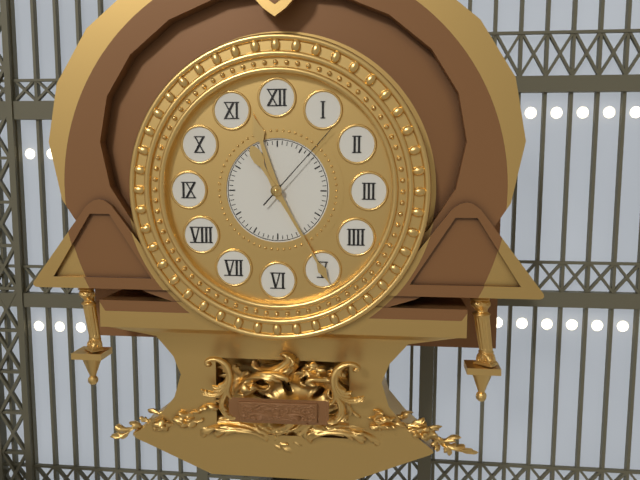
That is 11,25,07
